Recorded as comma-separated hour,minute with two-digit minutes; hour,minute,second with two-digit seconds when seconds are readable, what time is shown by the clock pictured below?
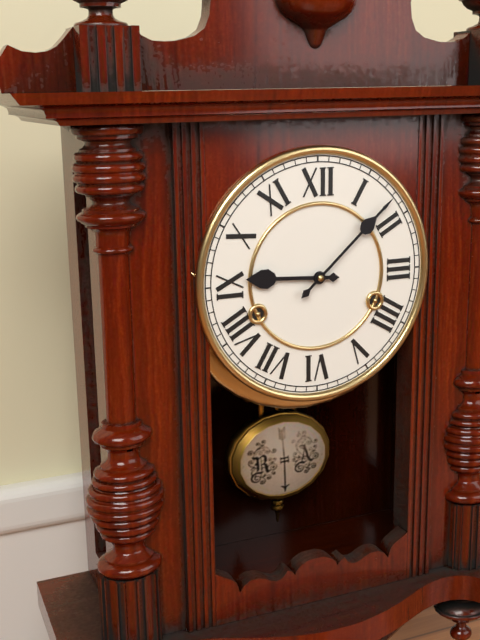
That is 9,08
